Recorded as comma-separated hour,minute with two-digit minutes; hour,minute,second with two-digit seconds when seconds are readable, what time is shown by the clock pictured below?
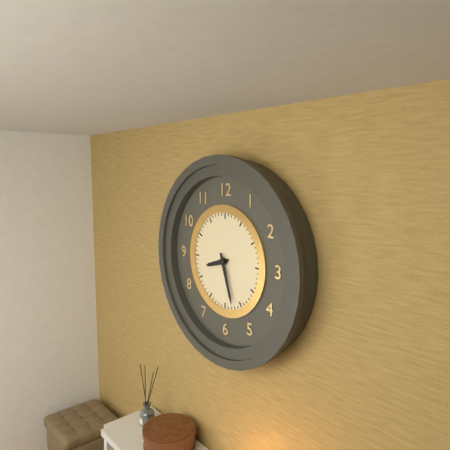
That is 8,27
